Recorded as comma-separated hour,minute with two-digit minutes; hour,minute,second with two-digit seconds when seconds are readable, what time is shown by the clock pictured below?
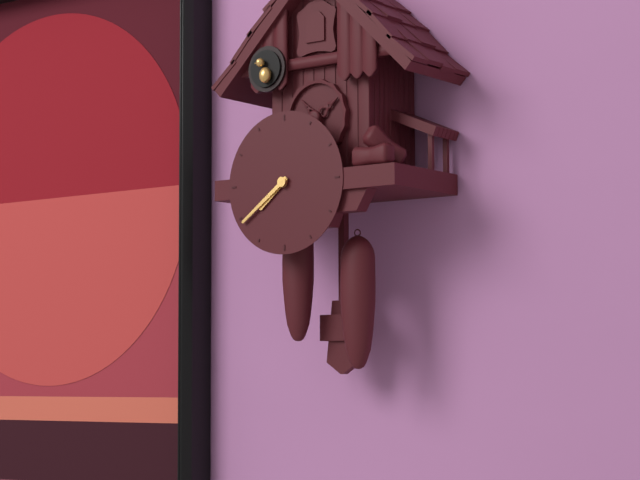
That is 7,39
